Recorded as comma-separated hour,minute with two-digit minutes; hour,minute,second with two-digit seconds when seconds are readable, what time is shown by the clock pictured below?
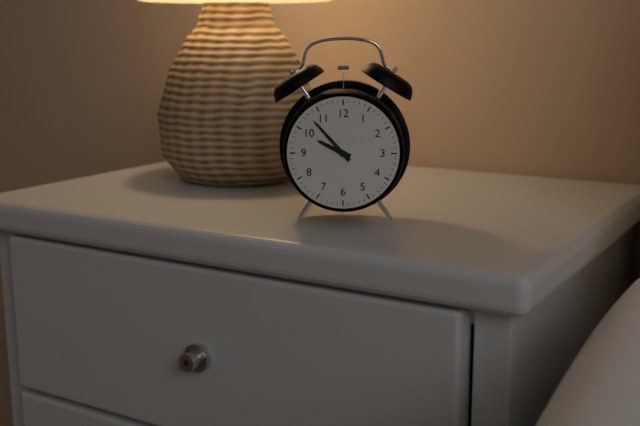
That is 9,53
